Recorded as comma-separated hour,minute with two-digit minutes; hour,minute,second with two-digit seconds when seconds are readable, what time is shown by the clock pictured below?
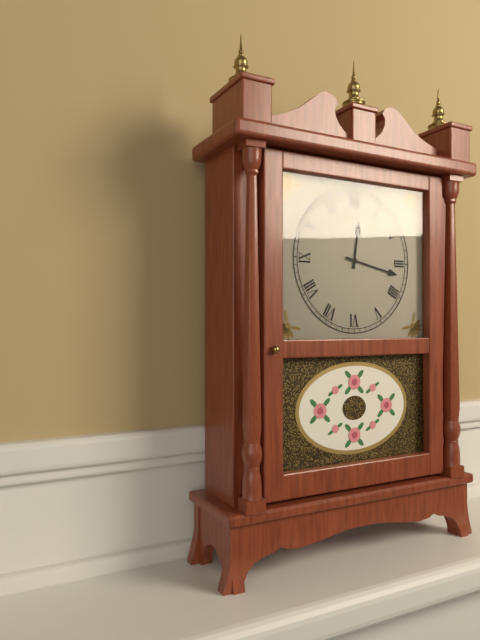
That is 12,17
